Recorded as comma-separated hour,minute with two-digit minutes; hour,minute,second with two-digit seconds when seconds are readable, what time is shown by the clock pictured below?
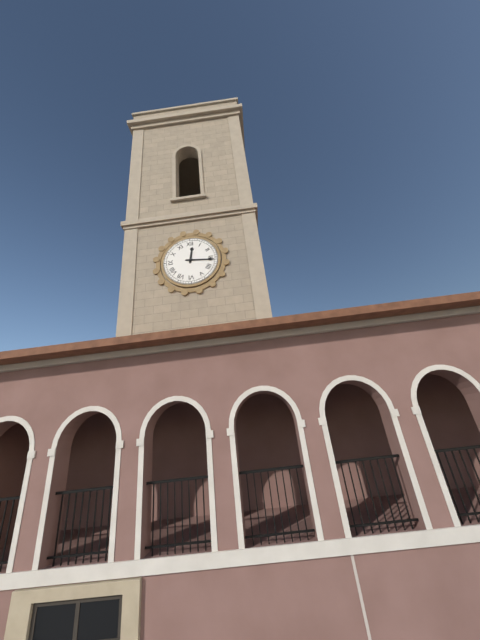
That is 12,16
